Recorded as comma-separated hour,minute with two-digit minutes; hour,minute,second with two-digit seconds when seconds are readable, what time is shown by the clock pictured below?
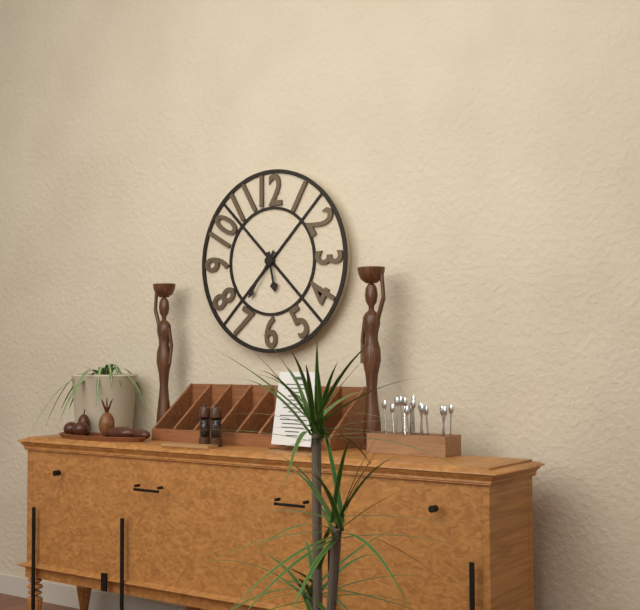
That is 5,36
